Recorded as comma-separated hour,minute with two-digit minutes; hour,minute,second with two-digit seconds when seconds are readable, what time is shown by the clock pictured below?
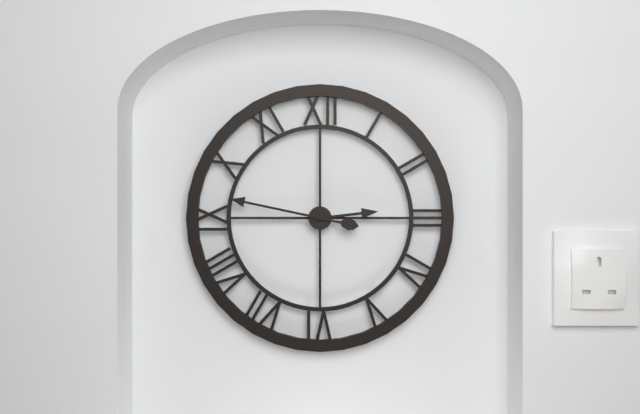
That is 2,47
